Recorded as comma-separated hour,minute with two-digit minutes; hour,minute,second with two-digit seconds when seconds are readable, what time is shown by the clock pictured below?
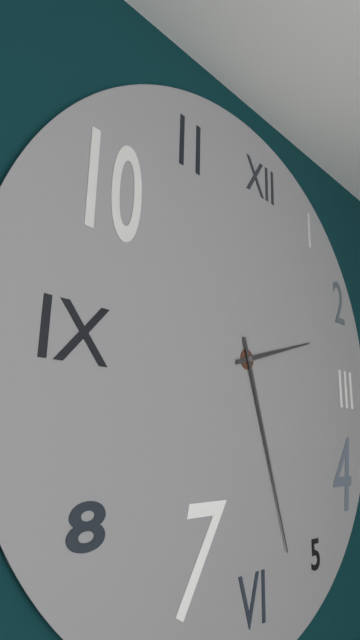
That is 2,27
